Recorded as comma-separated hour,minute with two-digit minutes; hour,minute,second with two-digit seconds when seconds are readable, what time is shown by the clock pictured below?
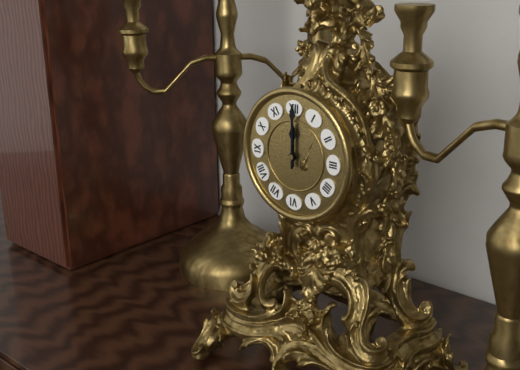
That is 12,00
